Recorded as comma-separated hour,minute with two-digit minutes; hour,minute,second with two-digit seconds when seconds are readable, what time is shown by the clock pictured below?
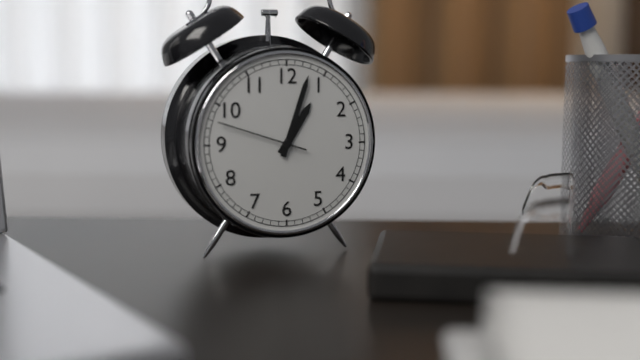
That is 1,03,48
